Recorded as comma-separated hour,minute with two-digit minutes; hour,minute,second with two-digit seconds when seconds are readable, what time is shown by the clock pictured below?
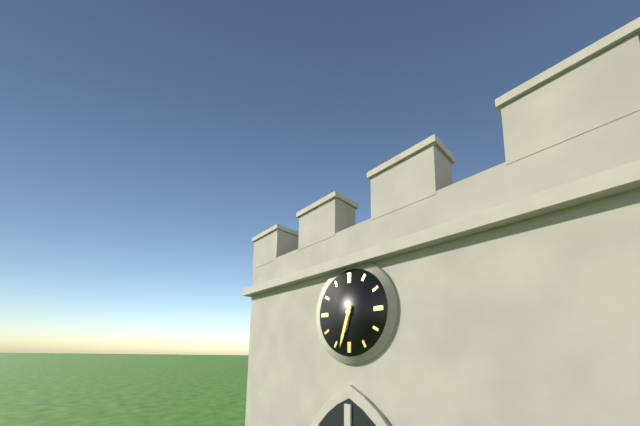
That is 6,33
